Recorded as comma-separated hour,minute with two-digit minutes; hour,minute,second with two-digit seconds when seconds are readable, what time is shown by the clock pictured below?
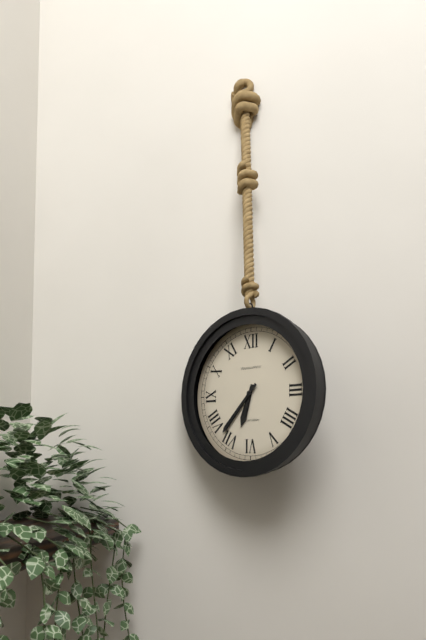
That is 6,37
